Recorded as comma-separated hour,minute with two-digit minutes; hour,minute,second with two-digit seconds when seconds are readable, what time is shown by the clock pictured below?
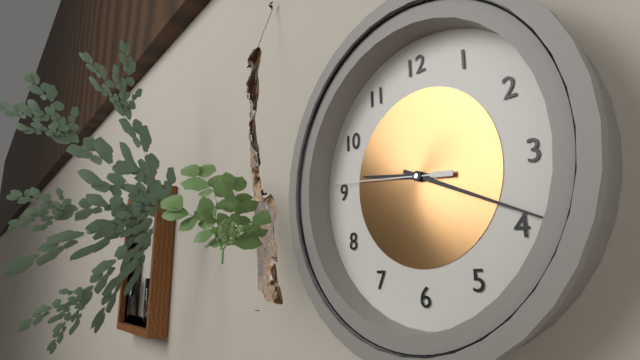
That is 9,19,46
